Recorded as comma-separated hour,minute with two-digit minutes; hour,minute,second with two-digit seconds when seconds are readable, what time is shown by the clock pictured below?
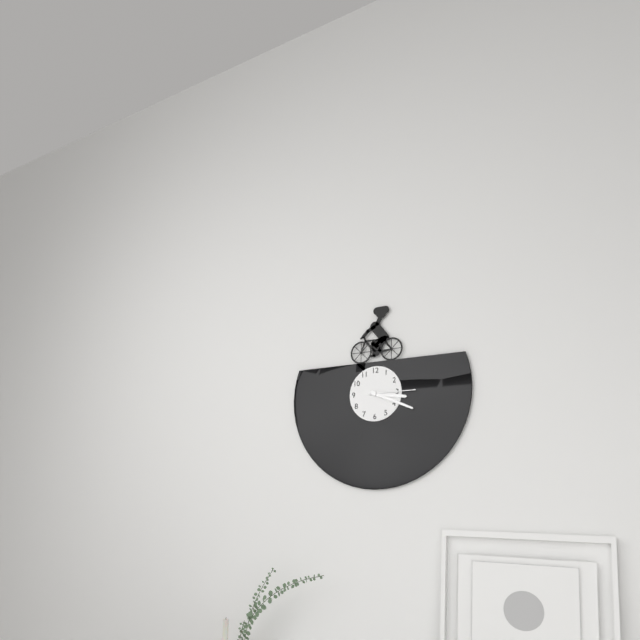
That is 3,19
